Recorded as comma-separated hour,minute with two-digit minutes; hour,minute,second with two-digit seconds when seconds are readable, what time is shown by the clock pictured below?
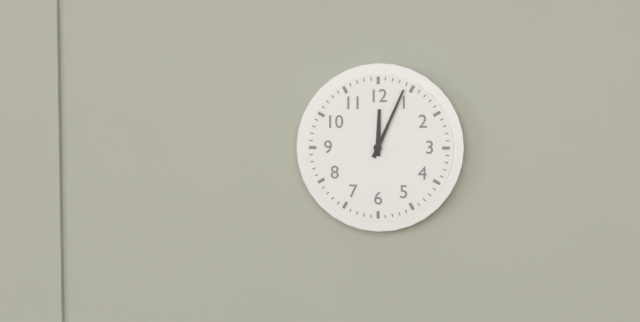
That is 12,04
